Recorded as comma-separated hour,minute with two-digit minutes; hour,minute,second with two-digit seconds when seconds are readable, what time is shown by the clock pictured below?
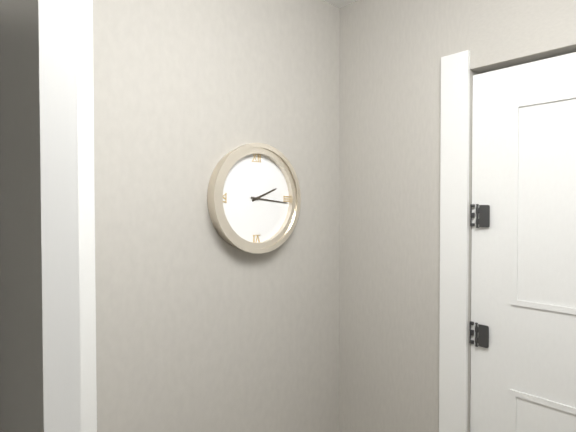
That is 2,16
